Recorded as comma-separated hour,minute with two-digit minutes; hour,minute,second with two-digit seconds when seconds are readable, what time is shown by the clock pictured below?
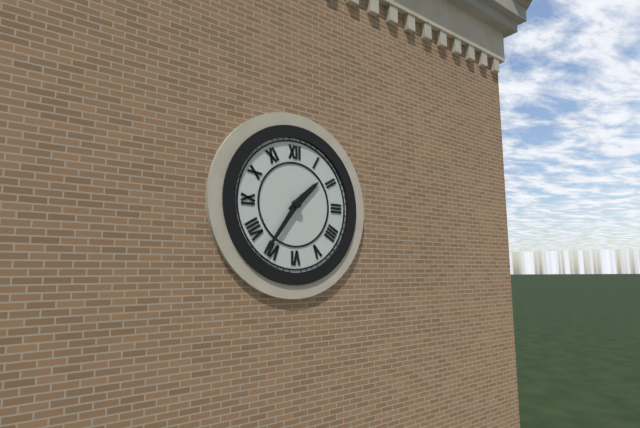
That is 1,36
